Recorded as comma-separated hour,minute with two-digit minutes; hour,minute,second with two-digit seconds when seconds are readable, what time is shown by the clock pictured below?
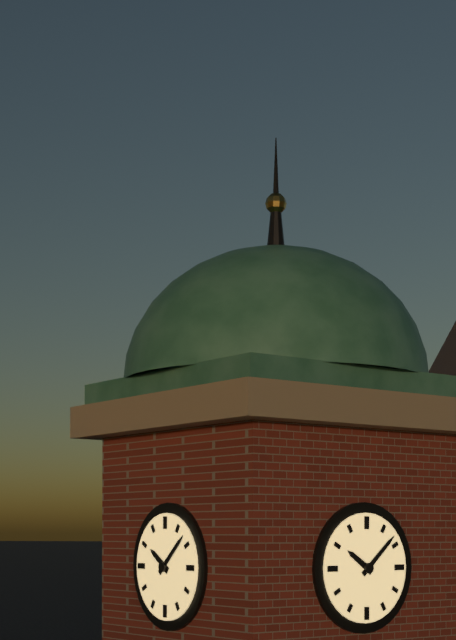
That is 10,08
